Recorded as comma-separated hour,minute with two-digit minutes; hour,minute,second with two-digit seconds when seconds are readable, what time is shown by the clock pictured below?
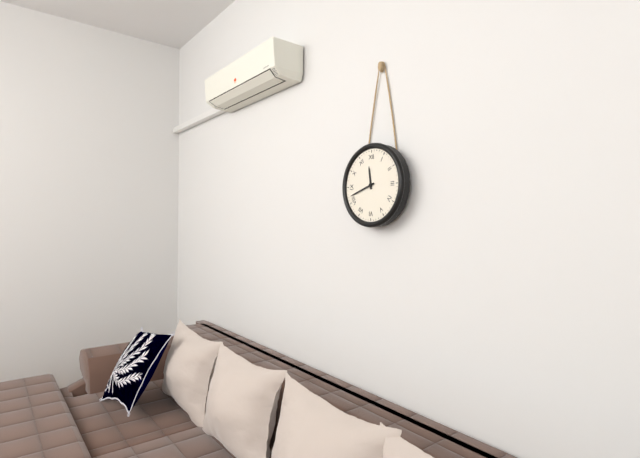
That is 11,42
